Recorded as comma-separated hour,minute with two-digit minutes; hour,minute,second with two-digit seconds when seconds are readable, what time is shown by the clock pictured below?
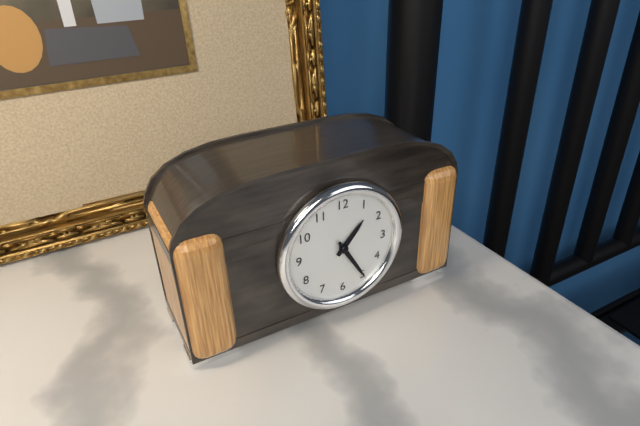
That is 1,25
